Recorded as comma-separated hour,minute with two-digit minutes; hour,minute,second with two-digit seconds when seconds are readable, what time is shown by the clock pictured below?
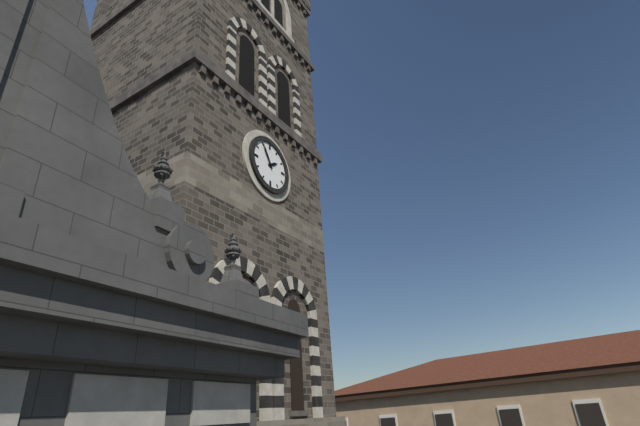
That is 1,55
